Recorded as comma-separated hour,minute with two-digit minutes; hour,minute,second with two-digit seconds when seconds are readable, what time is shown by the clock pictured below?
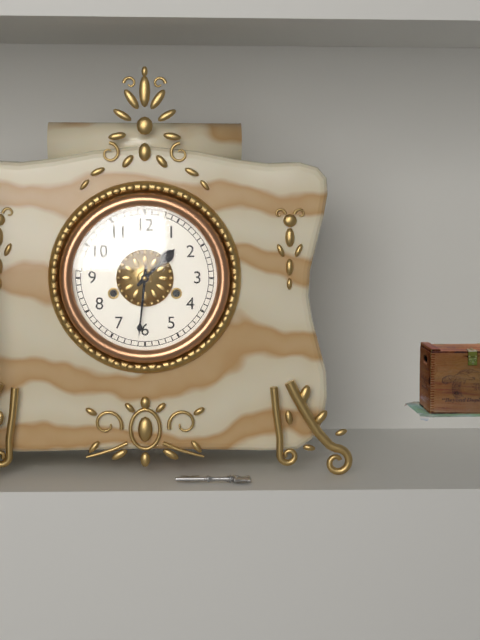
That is 1,31
